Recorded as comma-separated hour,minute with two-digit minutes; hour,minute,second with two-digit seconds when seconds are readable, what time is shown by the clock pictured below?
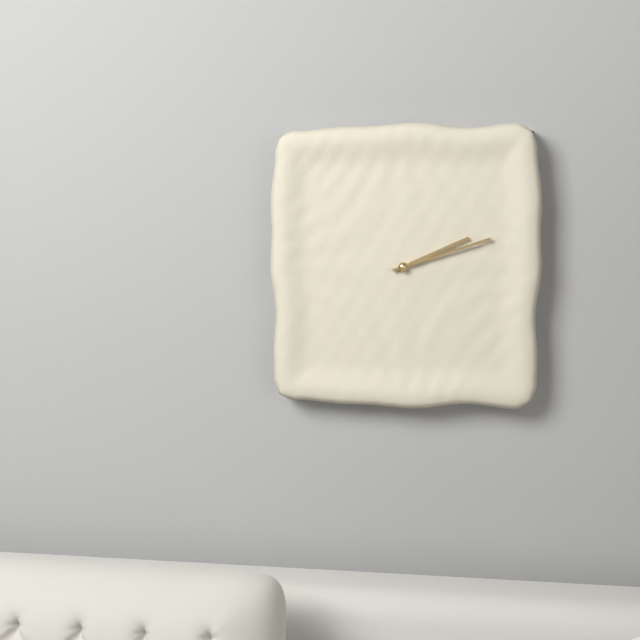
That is 2,12
